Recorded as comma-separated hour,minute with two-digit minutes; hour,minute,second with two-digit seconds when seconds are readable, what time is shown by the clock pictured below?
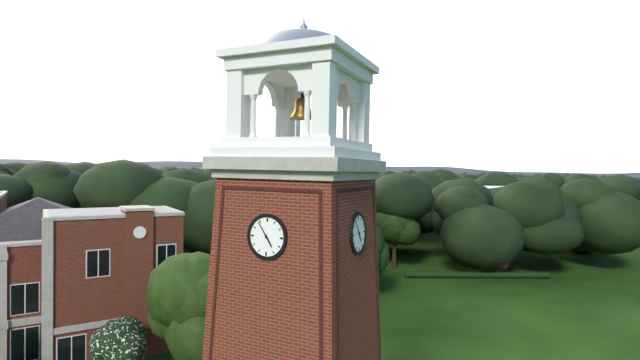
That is 4,54
